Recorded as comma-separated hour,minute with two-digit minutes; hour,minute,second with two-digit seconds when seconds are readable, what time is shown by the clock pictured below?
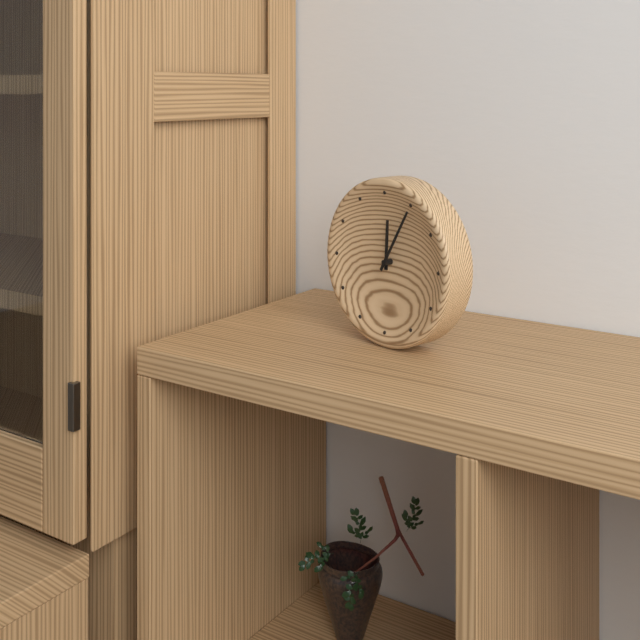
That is 12,05
